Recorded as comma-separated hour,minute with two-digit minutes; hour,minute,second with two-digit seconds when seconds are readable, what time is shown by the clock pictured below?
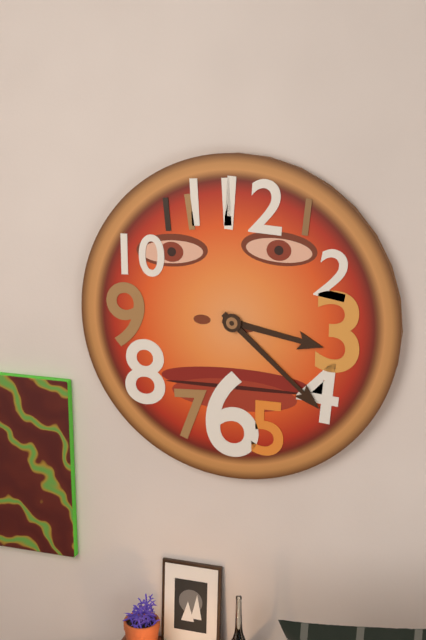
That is 3,22
